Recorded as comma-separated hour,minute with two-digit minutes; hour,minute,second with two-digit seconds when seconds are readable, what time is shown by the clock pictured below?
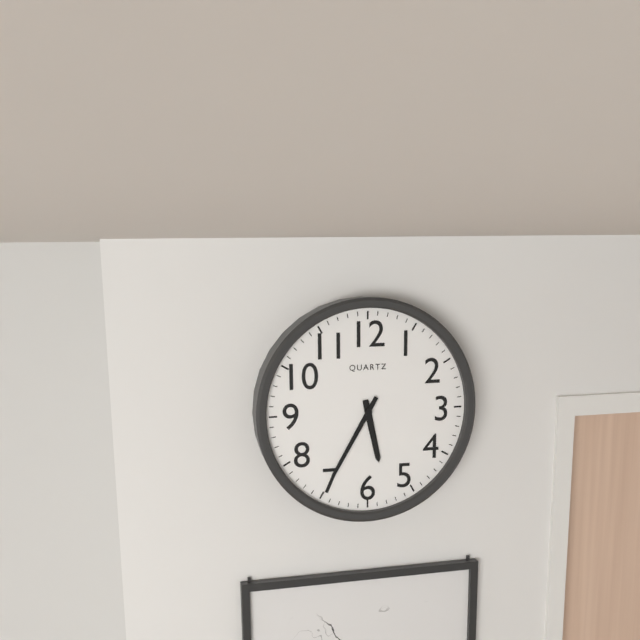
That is 5,35
